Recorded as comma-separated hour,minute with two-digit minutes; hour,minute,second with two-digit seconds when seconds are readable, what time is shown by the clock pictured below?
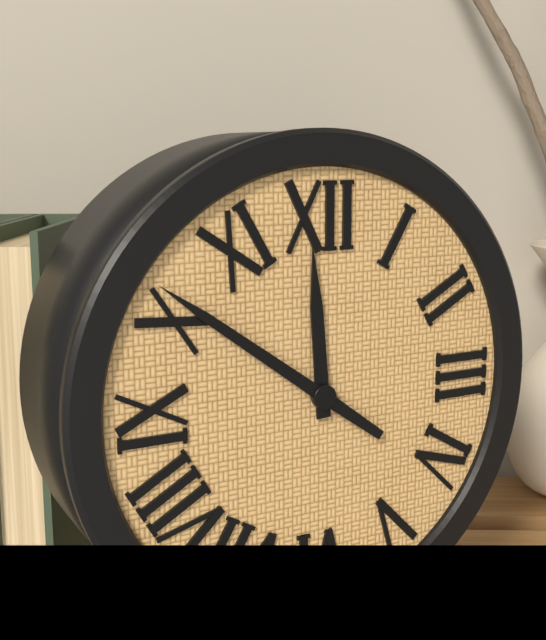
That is 11,51
